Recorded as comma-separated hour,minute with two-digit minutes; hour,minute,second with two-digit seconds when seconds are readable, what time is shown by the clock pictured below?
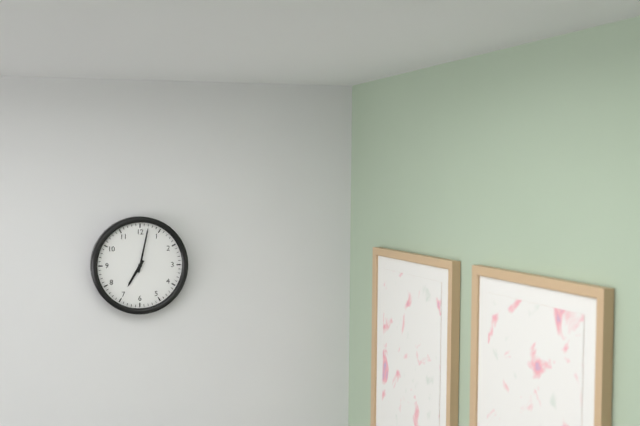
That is 7,02
